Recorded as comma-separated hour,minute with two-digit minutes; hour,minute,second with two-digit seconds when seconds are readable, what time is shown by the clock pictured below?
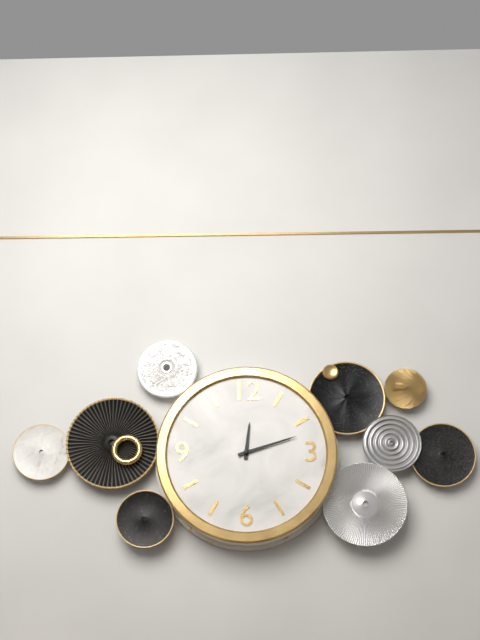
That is 12,12
